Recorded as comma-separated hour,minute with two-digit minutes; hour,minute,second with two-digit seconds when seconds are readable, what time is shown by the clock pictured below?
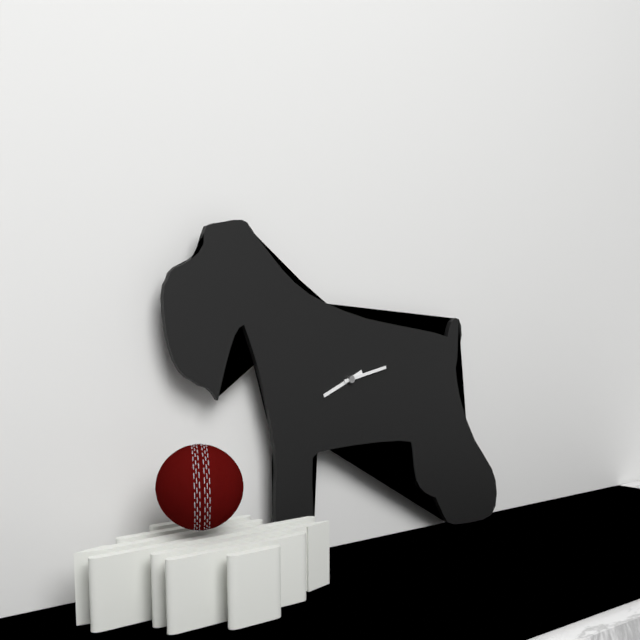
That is 8,13
